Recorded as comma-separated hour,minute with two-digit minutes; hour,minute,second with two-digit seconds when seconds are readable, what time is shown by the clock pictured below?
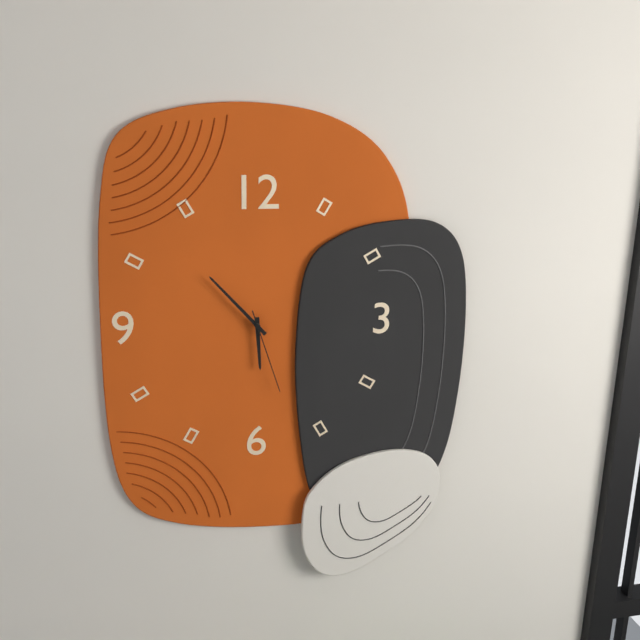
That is 5,53,27
